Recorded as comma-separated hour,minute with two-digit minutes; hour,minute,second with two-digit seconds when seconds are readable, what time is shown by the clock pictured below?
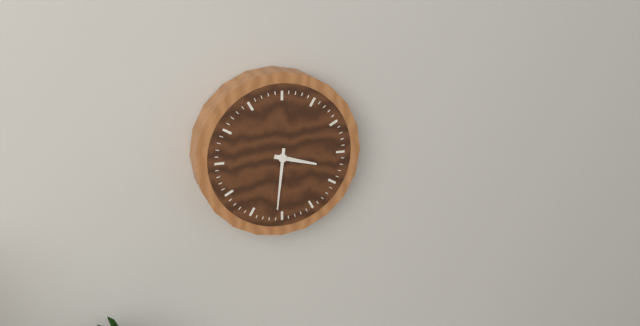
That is 3,31
